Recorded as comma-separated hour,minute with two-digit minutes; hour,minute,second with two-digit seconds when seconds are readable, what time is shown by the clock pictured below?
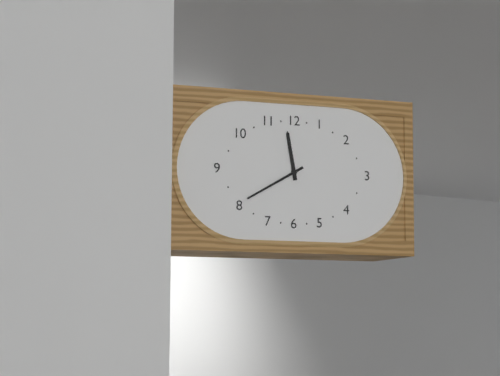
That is 11,40
